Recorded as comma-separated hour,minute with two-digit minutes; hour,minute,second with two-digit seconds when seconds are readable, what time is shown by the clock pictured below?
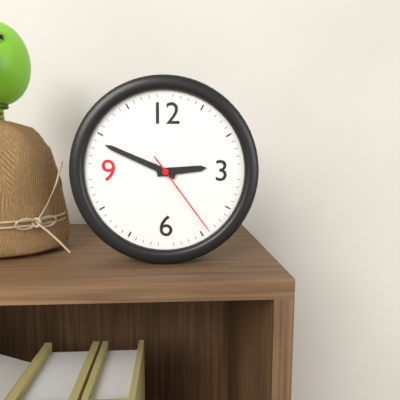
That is 2,49,24
